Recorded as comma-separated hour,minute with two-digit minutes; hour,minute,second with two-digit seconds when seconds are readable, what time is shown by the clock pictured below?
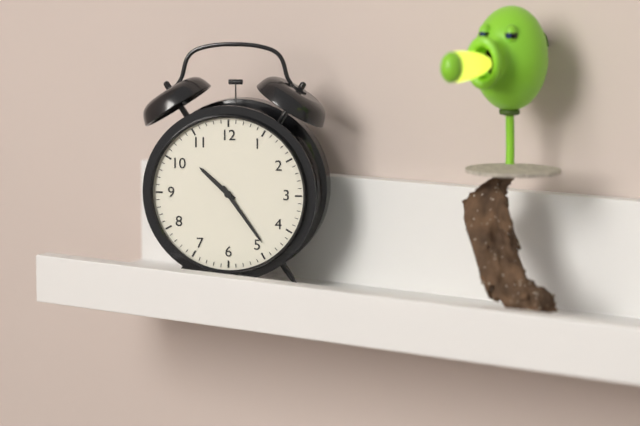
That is 10,24
